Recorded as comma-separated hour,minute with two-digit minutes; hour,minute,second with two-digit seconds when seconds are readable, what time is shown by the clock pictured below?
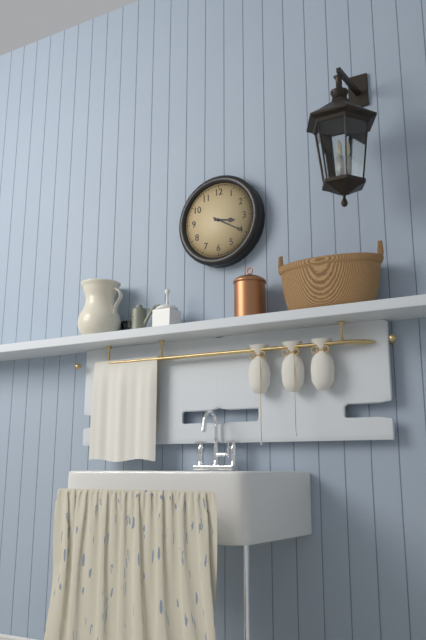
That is 3,20
